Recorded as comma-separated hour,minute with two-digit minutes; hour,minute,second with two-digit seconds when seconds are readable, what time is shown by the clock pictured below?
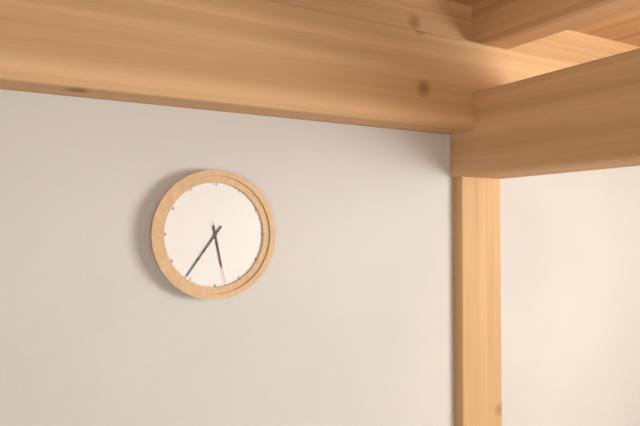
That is 5,36,28
